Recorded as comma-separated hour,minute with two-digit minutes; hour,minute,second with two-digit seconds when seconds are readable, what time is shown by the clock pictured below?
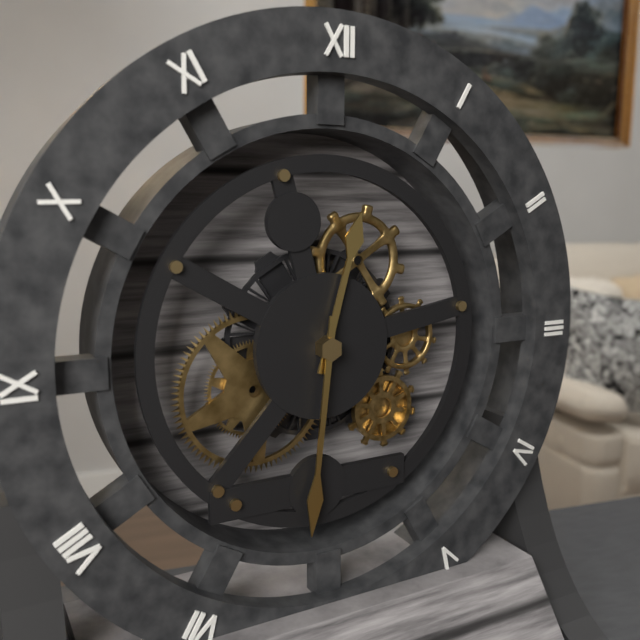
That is 12,31
